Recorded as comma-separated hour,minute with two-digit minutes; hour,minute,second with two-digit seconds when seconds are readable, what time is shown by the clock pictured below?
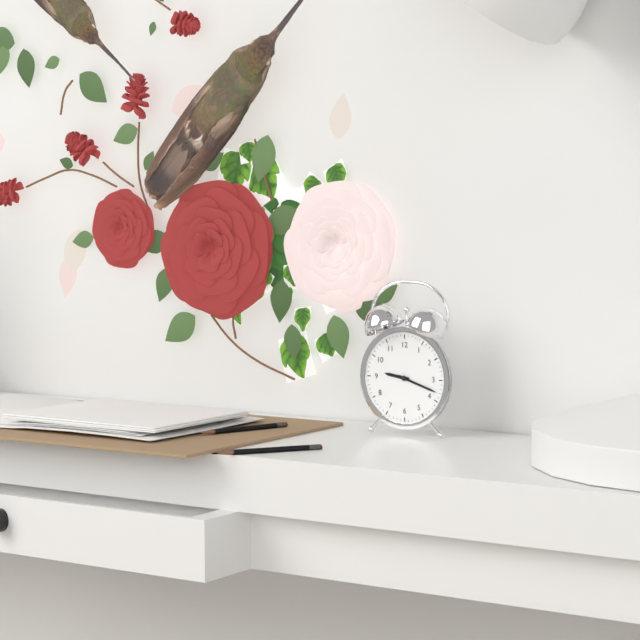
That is 9,18
